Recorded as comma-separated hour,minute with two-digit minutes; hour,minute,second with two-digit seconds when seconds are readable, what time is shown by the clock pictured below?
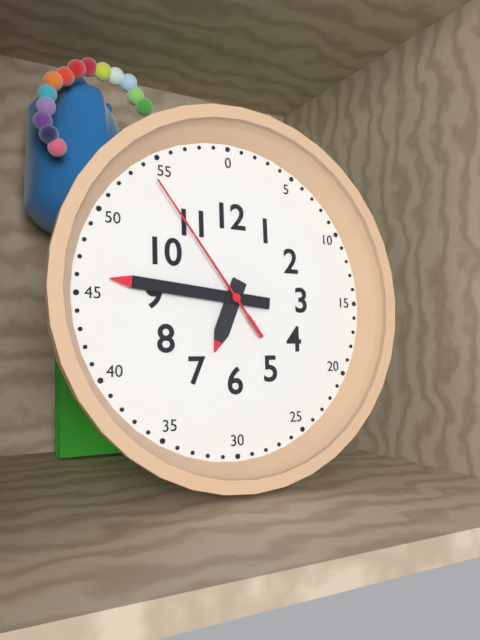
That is 6,46,54
